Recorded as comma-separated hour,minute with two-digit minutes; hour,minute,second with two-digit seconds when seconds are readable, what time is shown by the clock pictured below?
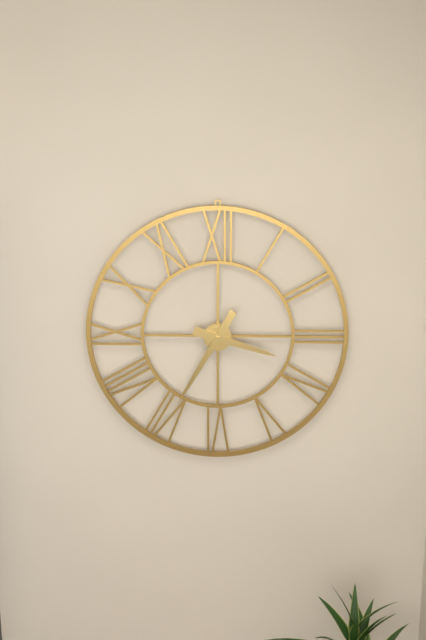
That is 3,35
